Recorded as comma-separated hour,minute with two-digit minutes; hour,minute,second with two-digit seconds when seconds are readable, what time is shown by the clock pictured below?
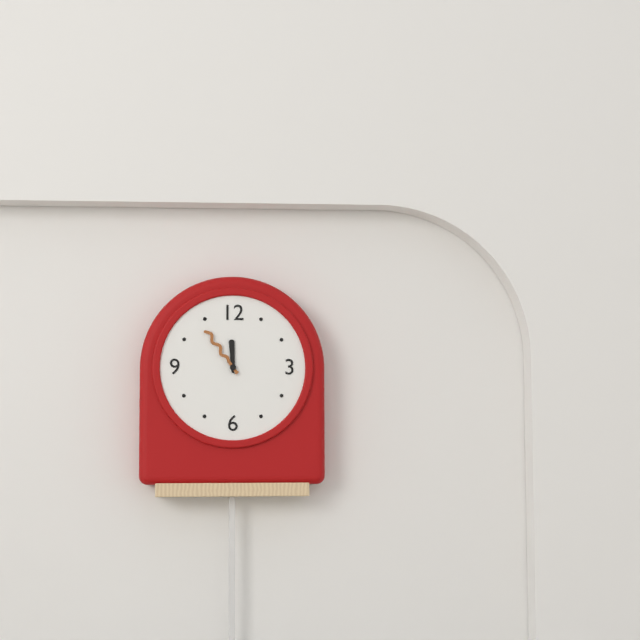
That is 11,54
